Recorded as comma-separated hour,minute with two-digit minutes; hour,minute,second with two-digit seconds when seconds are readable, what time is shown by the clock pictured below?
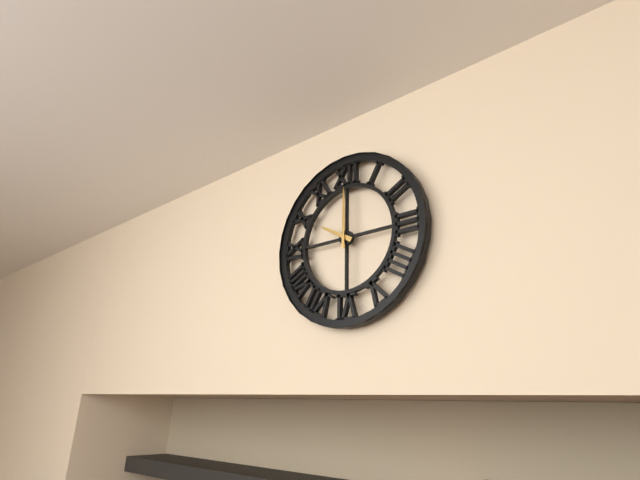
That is 10,00
